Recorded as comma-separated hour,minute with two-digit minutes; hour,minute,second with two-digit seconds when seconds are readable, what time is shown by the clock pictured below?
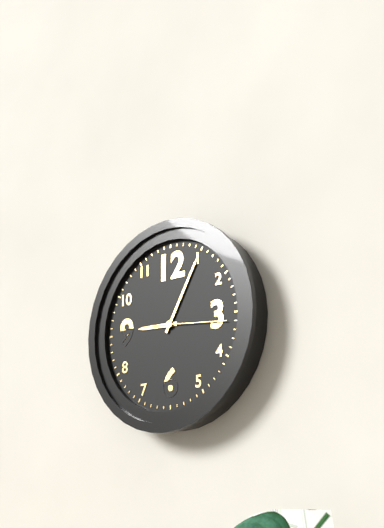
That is 9,05,16
